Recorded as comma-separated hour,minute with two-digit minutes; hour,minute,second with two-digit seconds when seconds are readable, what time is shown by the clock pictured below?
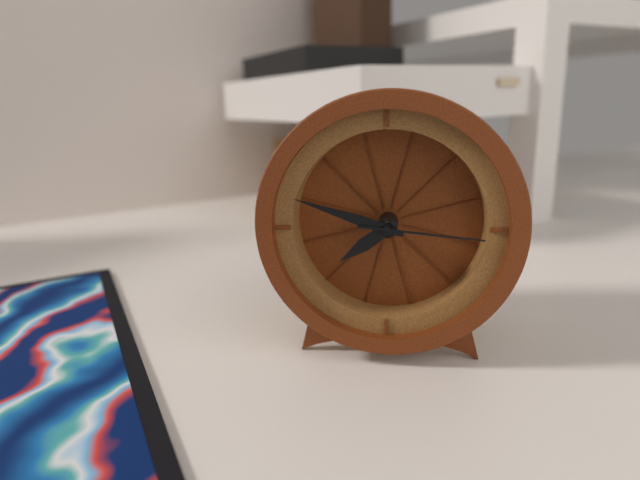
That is 7,48,16
